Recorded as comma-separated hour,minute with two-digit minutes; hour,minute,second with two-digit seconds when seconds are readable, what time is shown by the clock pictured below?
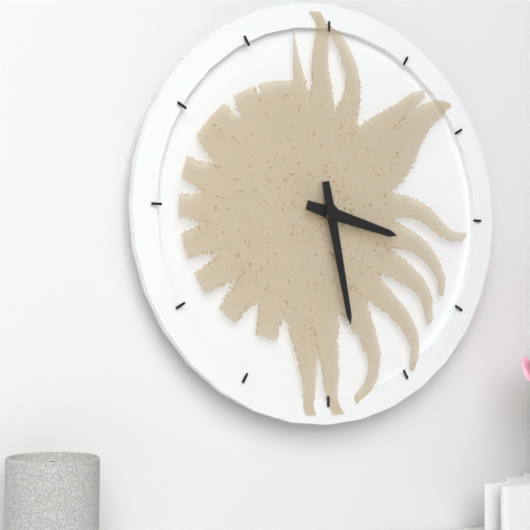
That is 3,28
